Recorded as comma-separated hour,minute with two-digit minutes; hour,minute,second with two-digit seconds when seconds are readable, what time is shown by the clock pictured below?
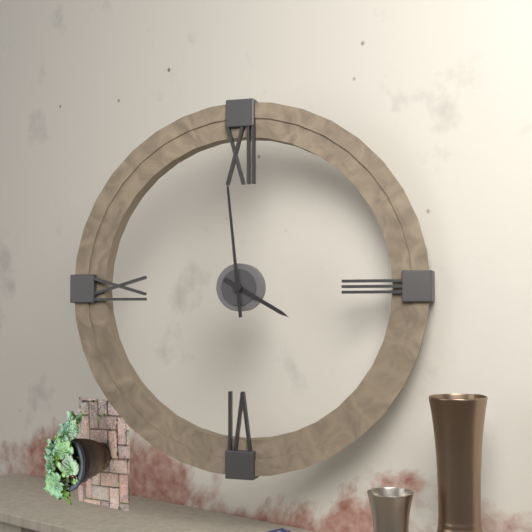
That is 3,59
